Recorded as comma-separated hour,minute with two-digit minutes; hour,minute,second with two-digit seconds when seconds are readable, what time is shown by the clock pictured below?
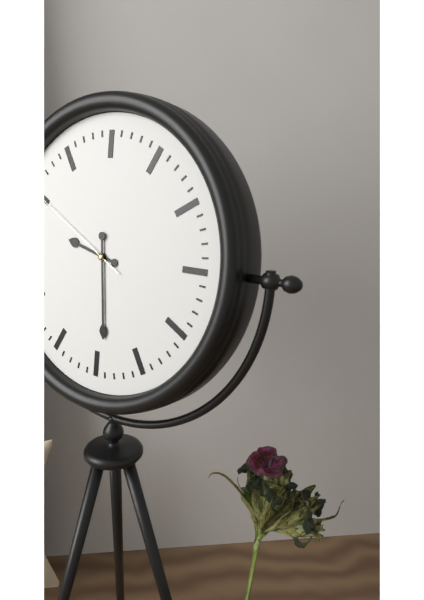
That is 9,29,50
